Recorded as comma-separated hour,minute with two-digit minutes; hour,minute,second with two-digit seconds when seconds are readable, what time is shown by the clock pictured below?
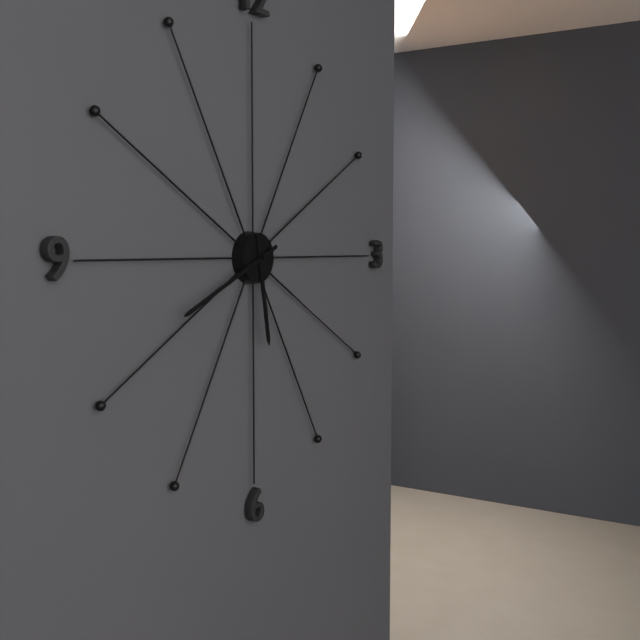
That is 5,41
